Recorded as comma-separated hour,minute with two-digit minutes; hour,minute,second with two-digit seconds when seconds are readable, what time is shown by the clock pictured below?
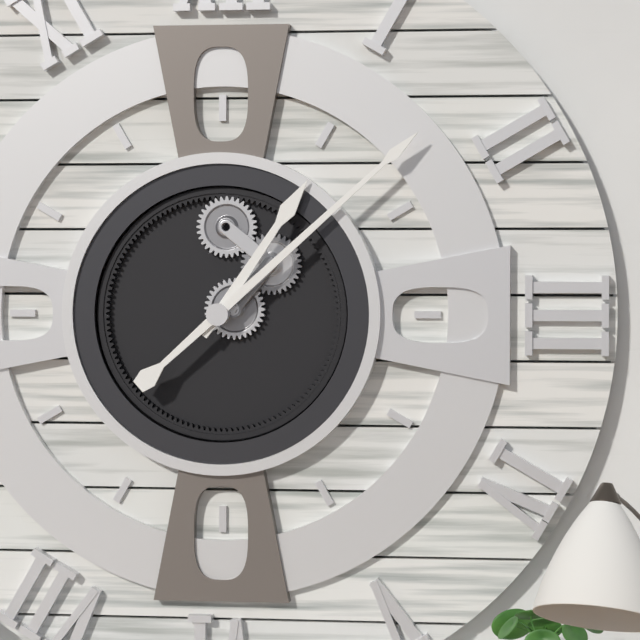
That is 1,08
